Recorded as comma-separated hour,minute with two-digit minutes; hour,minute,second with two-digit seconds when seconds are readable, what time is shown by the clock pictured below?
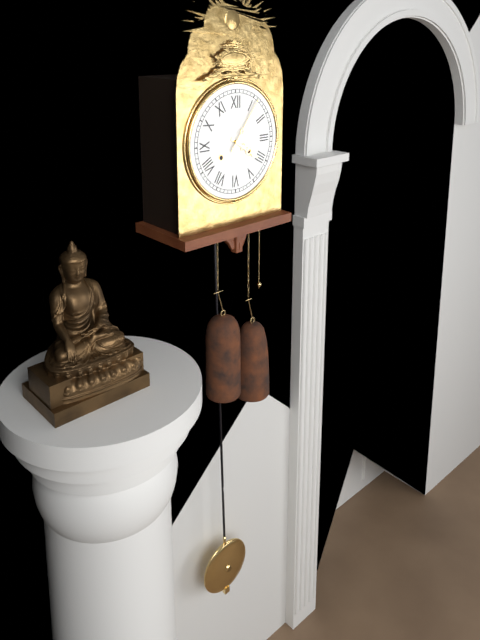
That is 4,06
